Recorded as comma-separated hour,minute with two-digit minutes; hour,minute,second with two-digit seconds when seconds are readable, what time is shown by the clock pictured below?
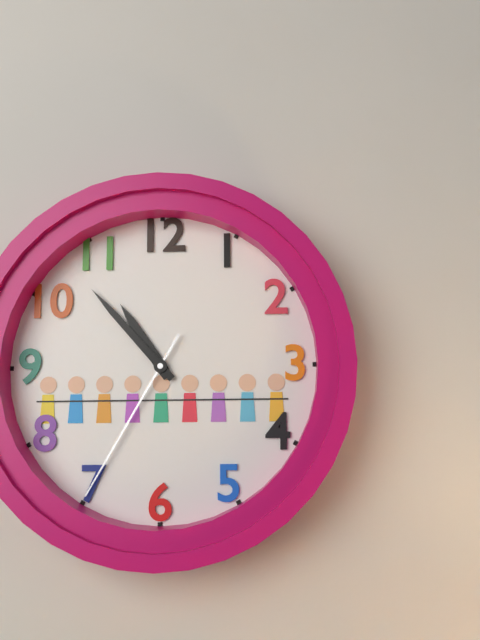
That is 10,53,35
